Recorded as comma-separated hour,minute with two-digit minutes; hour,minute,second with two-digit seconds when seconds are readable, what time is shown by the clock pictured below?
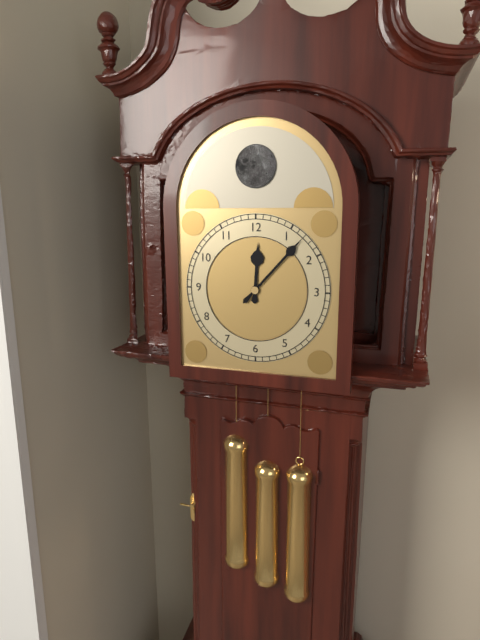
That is 12,07
